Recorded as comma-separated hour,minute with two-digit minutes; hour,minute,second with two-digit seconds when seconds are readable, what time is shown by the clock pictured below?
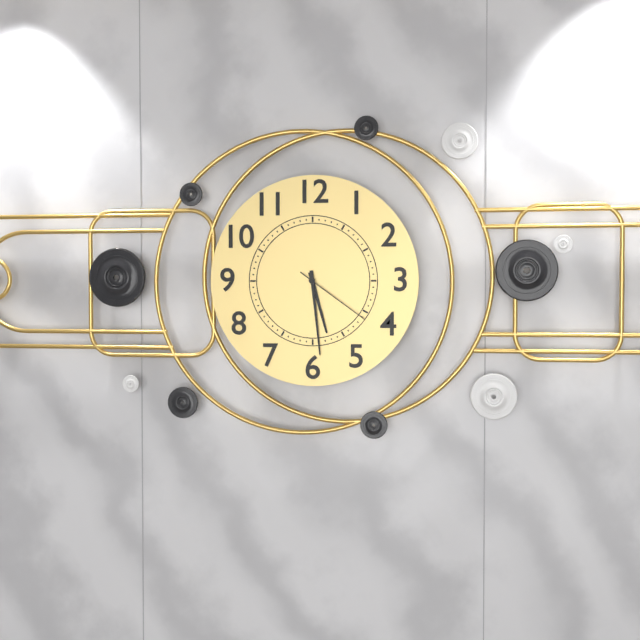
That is 5,29,21
